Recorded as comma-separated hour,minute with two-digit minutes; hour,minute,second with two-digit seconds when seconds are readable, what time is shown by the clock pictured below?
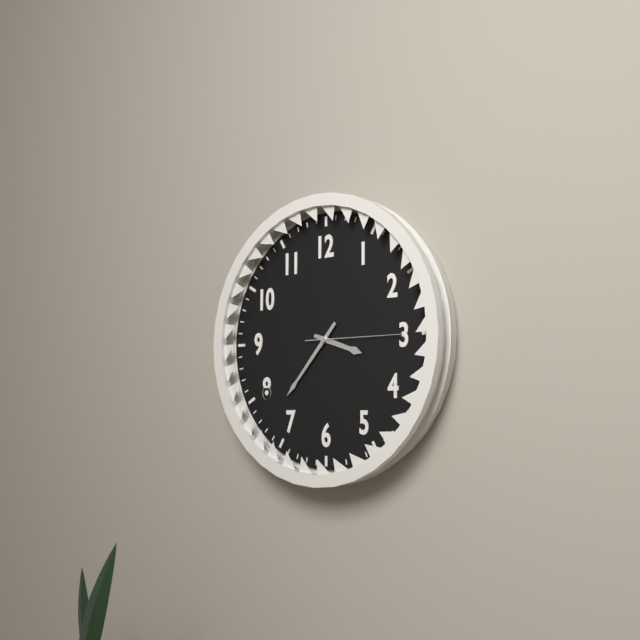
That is 3,37,15
